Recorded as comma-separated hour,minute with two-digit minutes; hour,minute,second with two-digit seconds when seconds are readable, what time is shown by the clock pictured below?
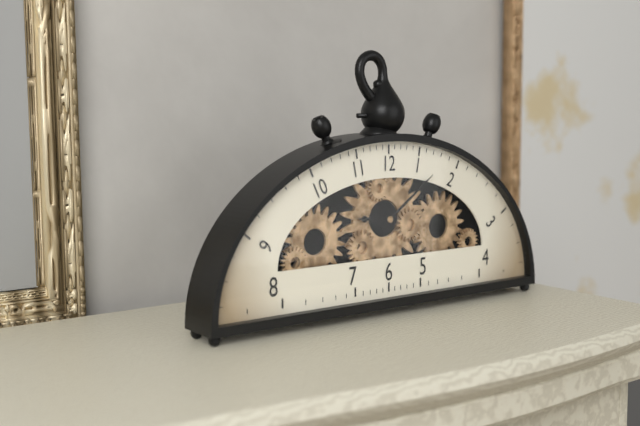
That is 9,09
